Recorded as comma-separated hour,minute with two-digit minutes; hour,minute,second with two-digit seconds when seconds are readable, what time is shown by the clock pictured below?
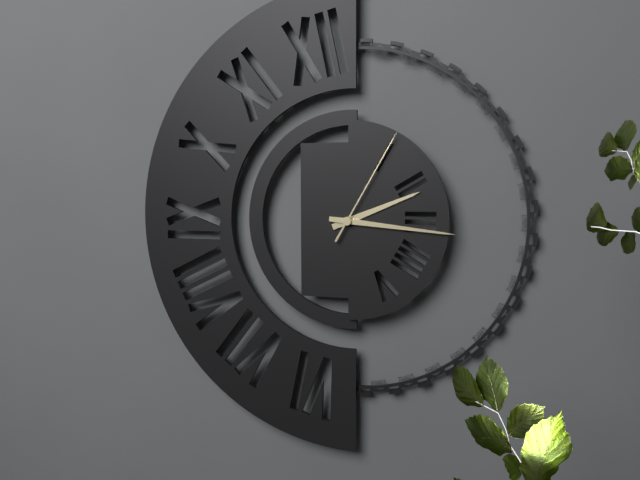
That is 2,16,05
